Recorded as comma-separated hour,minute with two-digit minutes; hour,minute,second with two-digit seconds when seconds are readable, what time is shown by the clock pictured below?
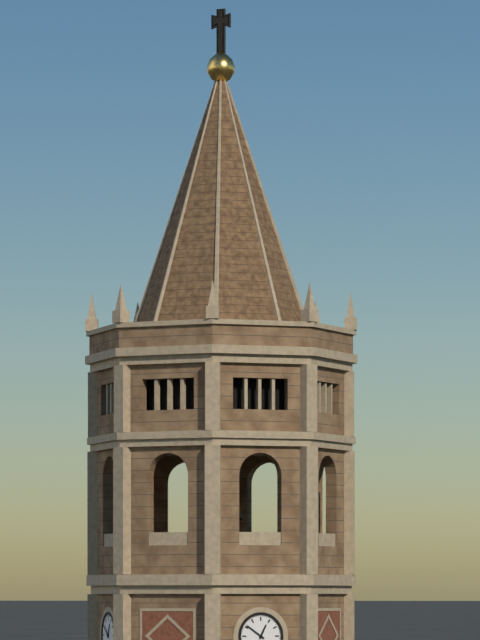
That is 12,51
